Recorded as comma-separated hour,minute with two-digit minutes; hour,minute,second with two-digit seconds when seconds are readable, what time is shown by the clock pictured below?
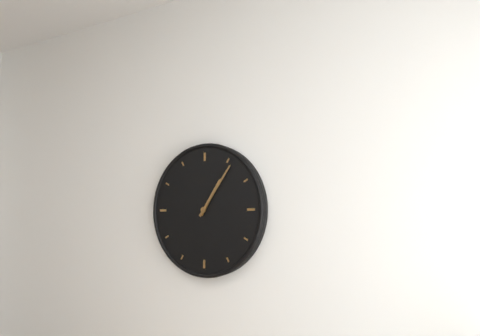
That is 1,06
